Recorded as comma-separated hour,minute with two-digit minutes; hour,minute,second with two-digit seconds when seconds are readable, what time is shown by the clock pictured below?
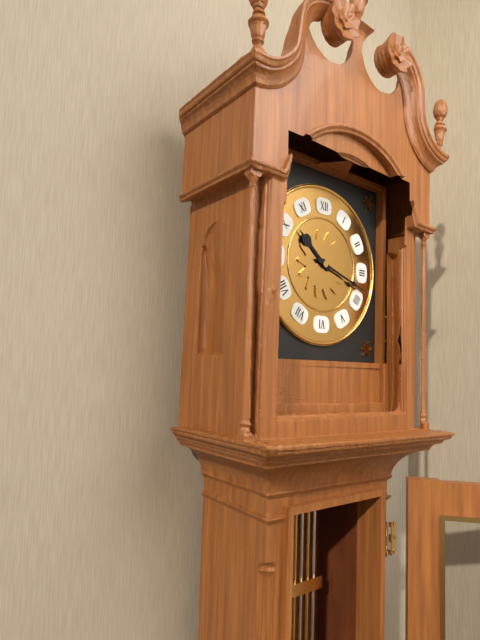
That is 10,18
